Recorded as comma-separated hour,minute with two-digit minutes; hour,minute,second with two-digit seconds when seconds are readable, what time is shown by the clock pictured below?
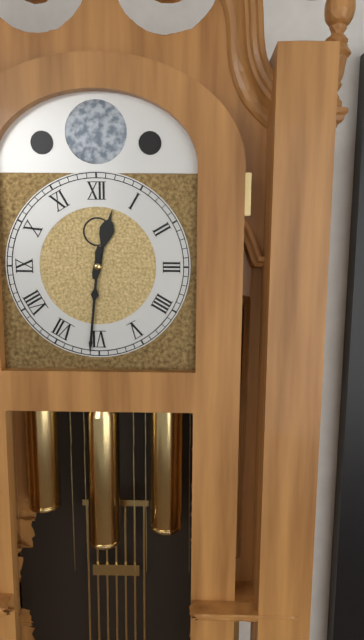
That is 12,31
